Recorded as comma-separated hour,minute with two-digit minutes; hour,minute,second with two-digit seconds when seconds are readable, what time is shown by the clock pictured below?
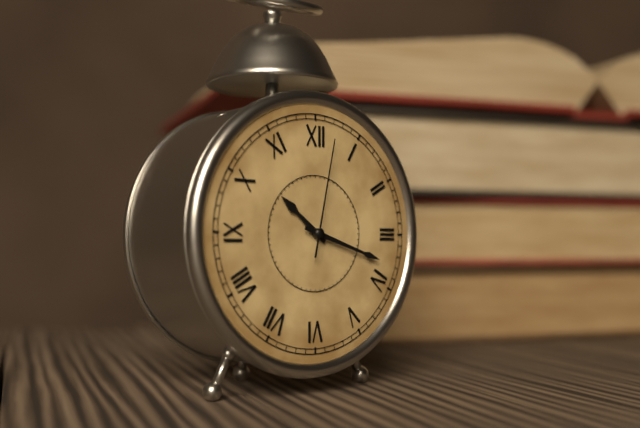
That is 10,18,02
